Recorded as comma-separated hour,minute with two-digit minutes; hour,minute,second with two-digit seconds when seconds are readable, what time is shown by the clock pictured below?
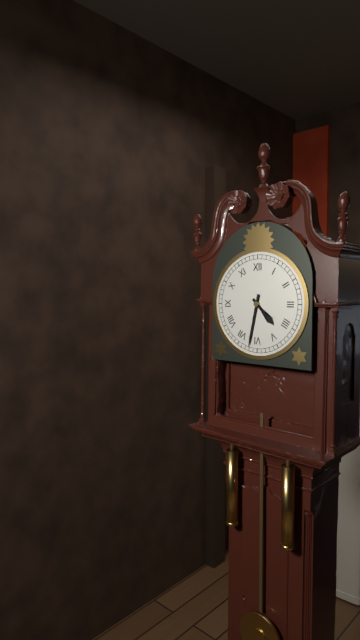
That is 4,32
